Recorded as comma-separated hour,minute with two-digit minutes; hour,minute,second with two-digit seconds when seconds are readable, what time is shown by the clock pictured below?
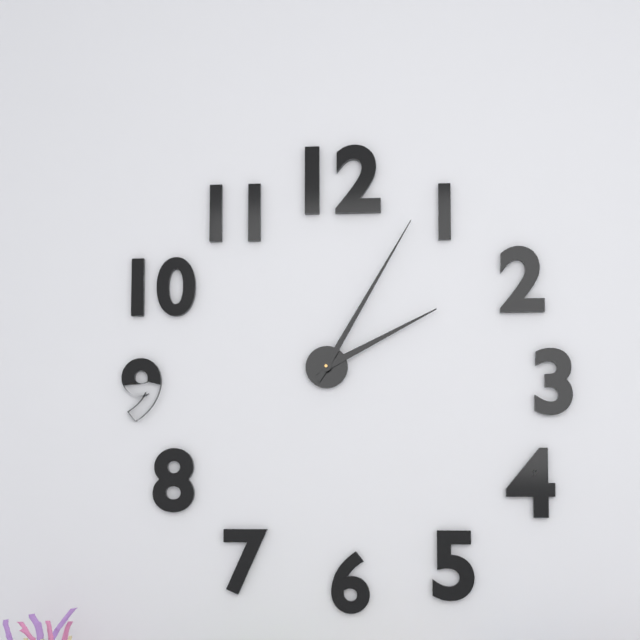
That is 2,05
